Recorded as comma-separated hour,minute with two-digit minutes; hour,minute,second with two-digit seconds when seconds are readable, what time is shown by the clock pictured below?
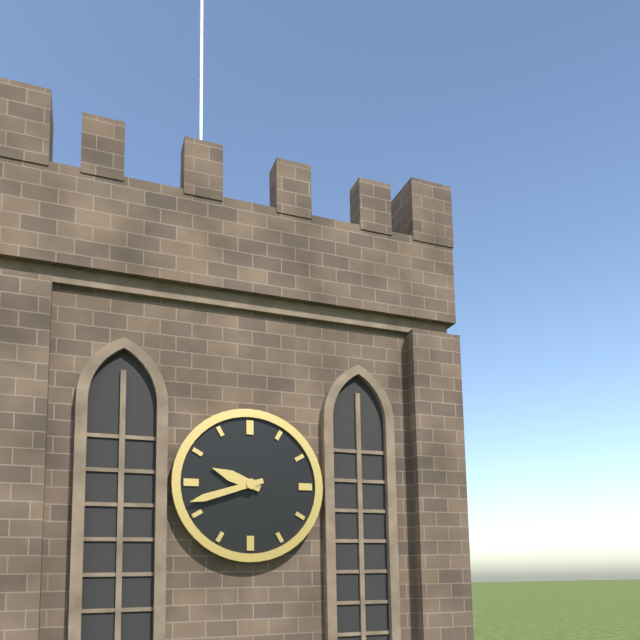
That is 9,42
